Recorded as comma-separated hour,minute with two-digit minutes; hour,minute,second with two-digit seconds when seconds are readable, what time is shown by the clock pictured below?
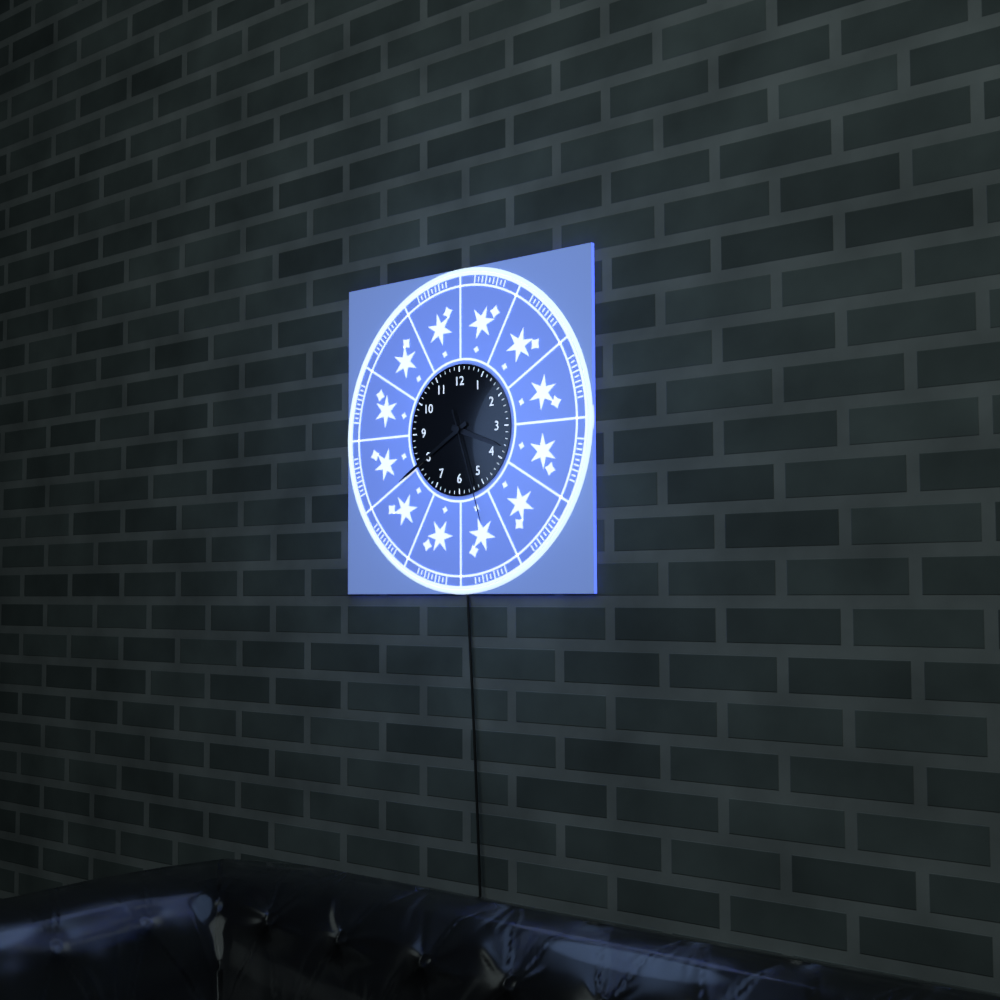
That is 3,40,27
